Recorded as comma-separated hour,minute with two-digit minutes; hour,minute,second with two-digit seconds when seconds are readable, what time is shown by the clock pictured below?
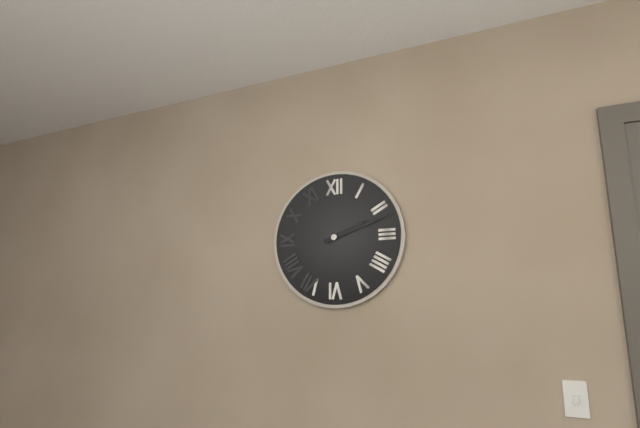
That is 2,12
